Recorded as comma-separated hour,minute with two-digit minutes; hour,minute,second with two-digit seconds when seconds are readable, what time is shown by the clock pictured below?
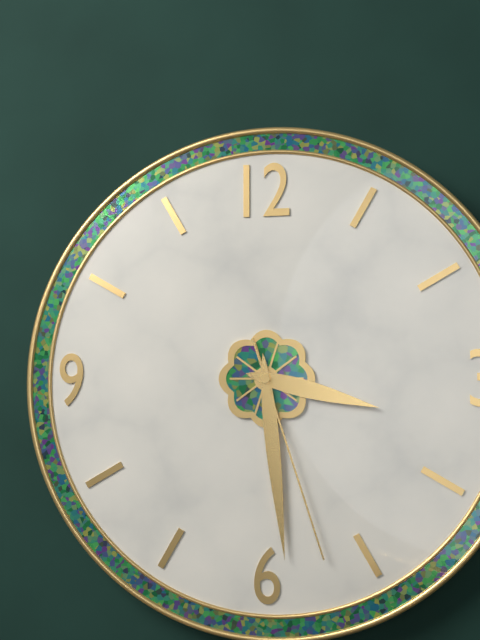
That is 3,29,27
